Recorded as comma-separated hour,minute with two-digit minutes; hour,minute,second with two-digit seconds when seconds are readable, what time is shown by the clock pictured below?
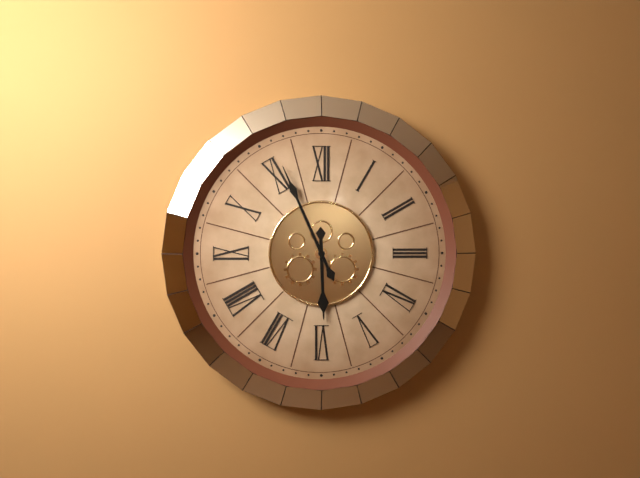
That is 5,56
